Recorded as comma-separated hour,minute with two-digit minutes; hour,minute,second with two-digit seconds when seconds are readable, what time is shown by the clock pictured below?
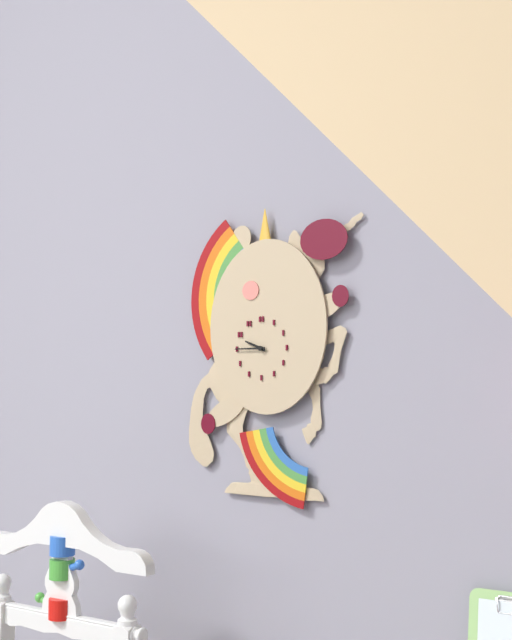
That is 9,45
